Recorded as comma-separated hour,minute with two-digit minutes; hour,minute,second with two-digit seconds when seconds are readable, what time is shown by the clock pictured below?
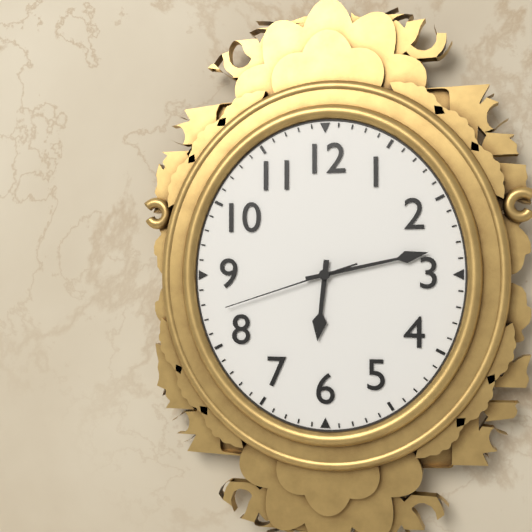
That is 6,13,42
